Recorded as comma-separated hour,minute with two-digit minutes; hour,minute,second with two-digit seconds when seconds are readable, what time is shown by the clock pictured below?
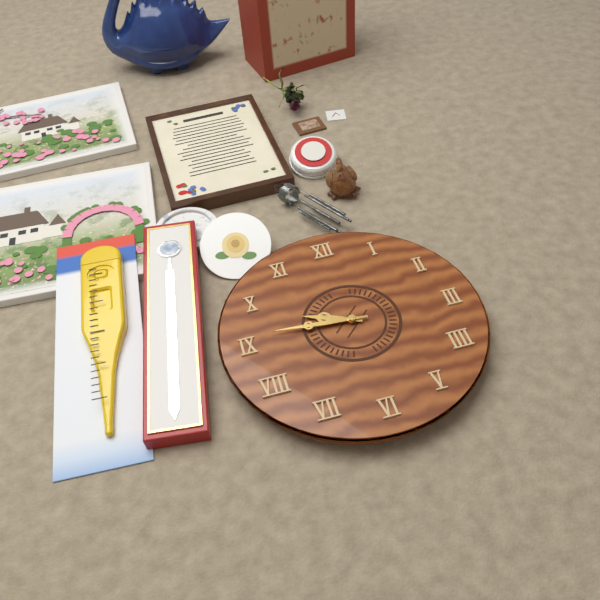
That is 9,46
